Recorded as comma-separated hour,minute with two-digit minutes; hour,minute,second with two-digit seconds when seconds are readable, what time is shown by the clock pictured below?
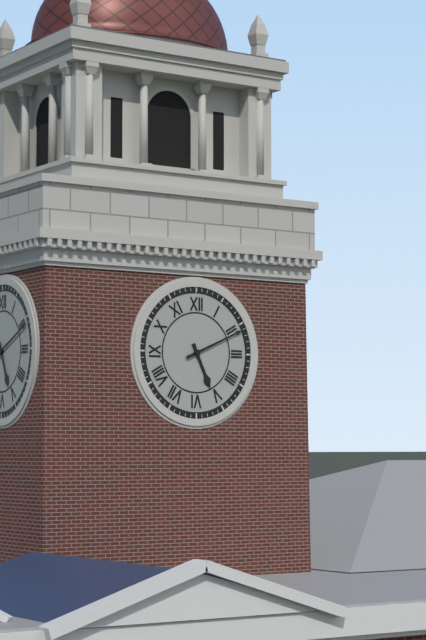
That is 5,11
